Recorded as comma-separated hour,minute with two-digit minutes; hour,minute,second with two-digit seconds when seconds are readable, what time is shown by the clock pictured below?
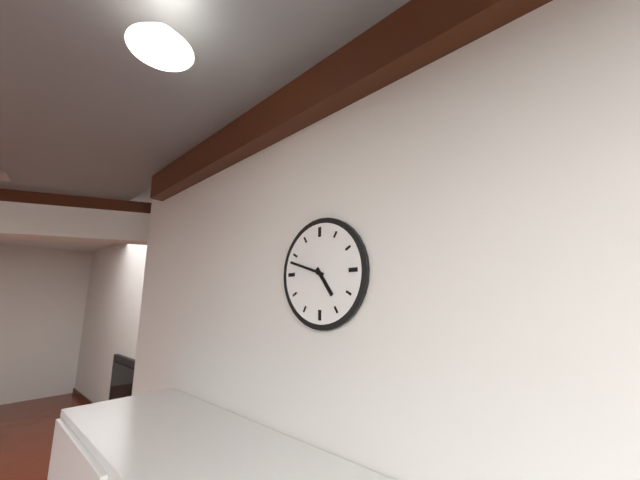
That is 4,48
